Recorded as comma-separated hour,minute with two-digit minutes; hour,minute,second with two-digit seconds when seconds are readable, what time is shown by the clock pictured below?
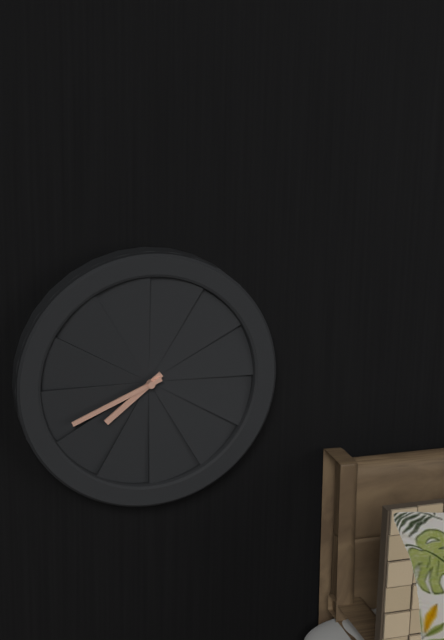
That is 7,41
